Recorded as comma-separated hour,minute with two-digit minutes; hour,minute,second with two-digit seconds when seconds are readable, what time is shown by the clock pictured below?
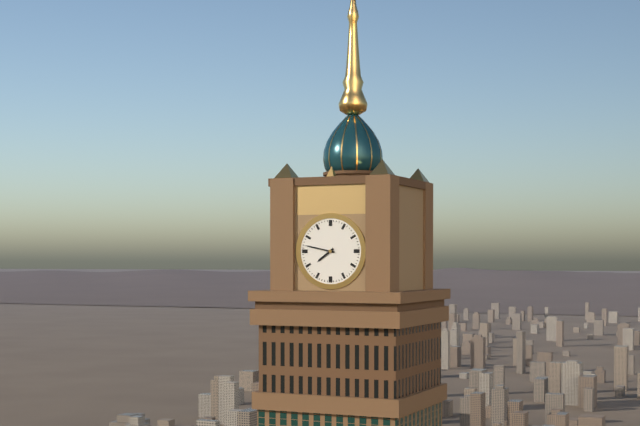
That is 7,47
